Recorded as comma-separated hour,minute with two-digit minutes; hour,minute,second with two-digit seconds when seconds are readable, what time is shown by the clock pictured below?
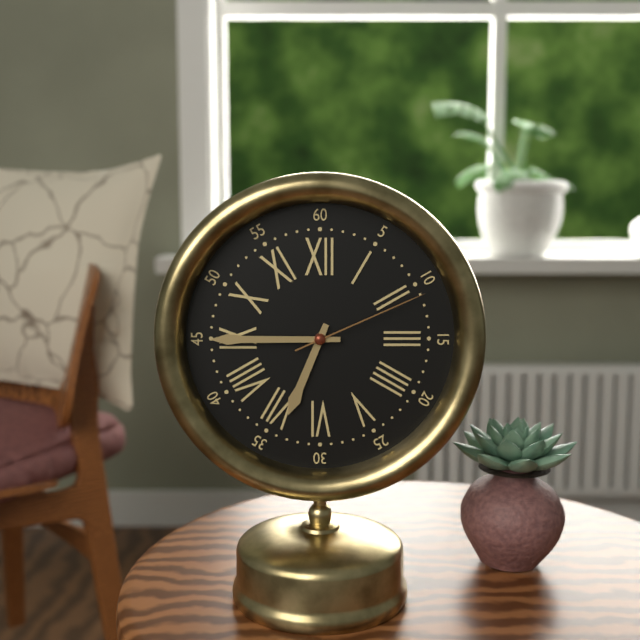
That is 6,45,11
